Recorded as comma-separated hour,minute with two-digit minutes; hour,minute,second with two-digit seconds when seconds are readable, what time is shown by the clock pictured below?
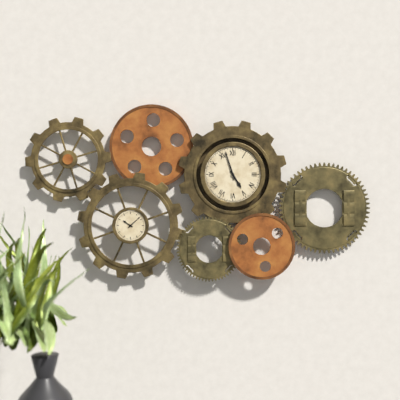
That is 4,57
